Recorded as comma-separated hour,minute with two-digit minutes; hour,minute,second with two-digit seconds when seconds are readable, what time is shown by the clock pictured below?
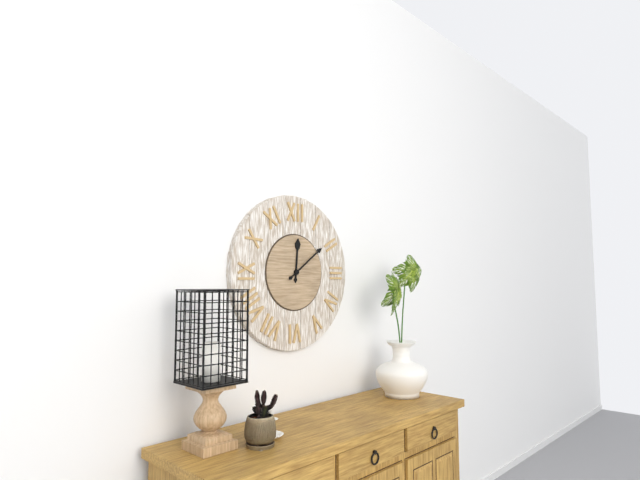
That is 12,09
